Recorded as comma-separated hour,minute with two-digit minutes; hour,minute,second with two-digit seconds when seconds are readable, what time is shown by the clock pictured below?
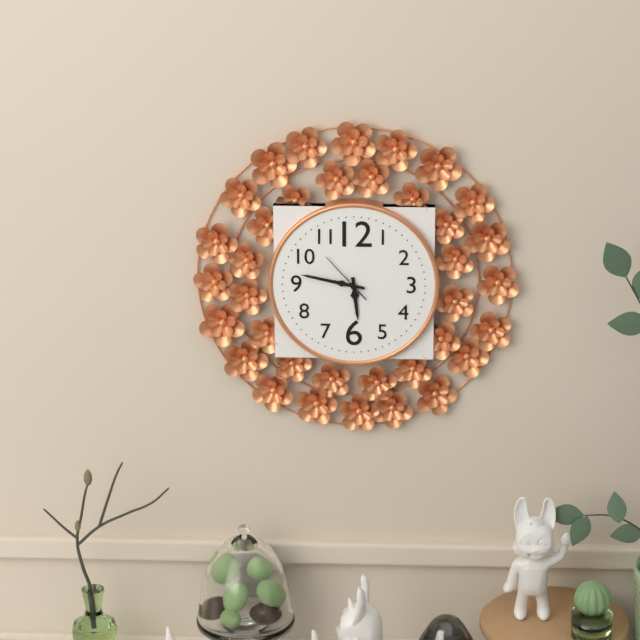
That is 5,47,53
